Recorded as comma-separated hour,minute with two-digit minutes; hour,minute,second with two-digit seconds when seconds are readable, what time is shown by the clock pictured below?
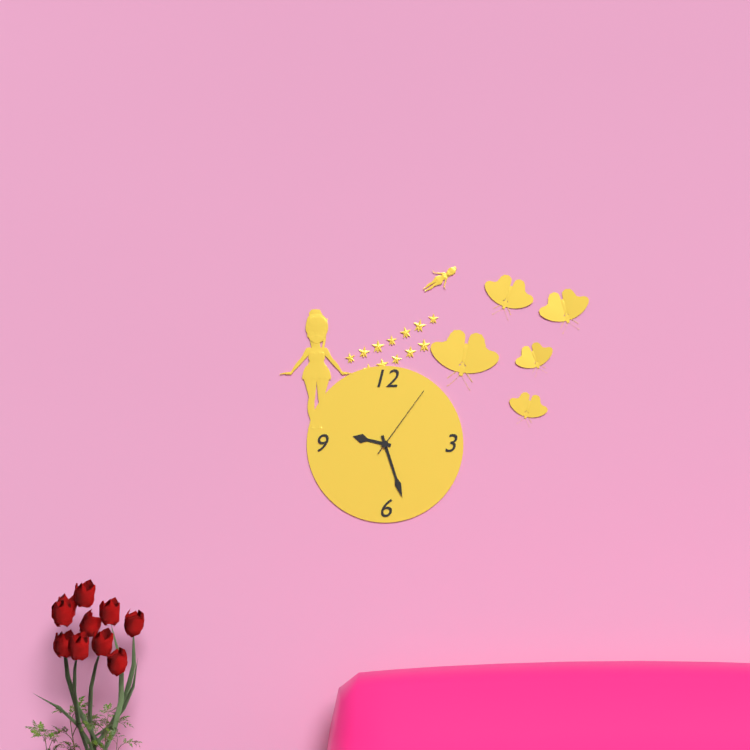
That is 9,27,06
